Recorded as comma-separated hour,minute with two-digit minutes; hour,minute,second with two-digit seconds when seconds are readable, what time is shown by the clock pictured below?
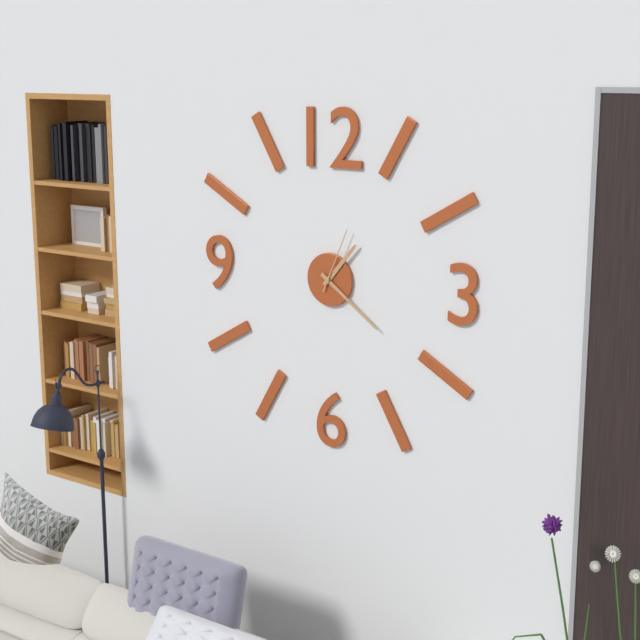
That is 1,21,04
